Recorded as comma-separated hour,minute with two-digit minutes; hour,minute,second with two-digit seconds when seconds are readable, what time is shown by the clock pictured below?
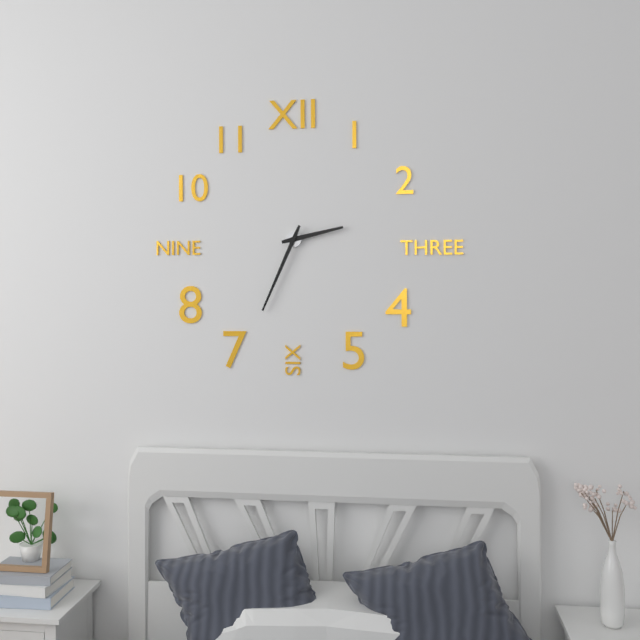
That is 2,34
